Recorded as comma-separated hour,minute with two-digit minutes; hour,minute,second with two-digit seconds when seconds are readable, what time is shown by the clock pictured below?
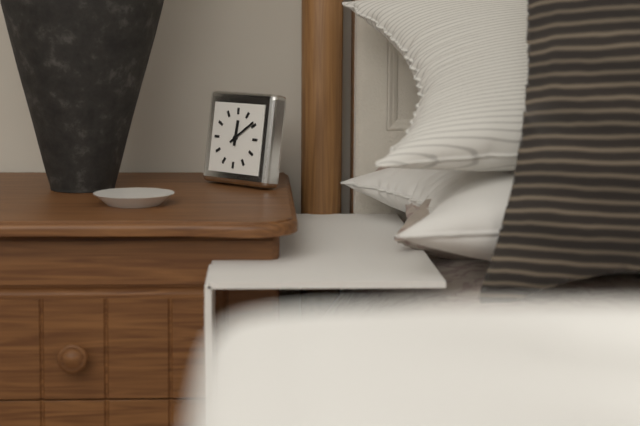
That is 12,09
